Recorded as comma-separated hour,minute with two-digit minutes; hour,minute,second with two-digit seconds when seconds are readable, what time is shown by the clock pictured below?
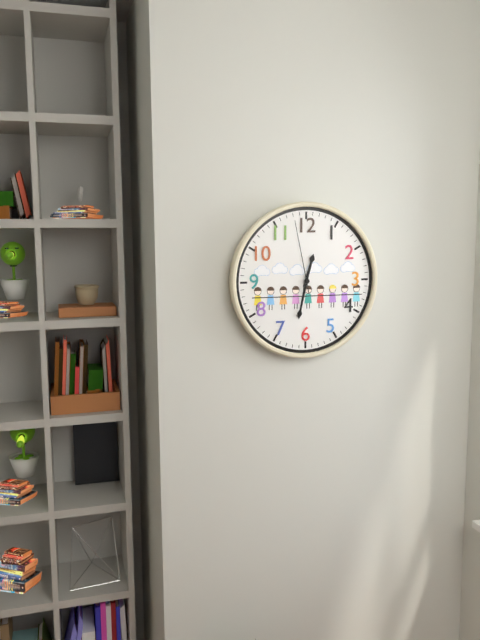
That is 12,32,58
